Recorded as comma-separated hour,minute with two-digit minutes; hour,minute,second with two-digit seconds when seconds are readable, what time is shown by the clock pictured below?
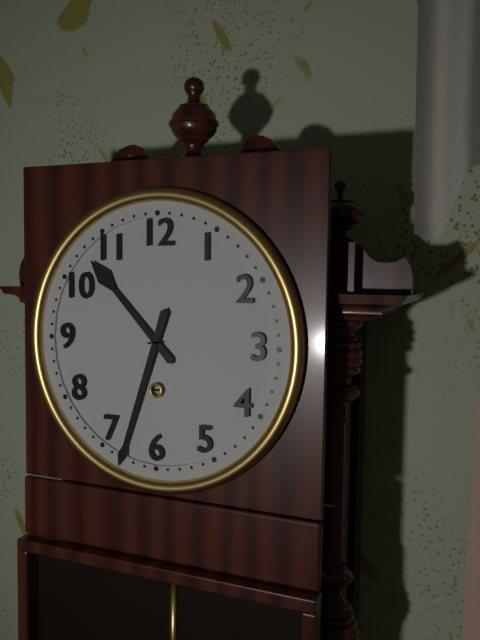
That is 10,33
